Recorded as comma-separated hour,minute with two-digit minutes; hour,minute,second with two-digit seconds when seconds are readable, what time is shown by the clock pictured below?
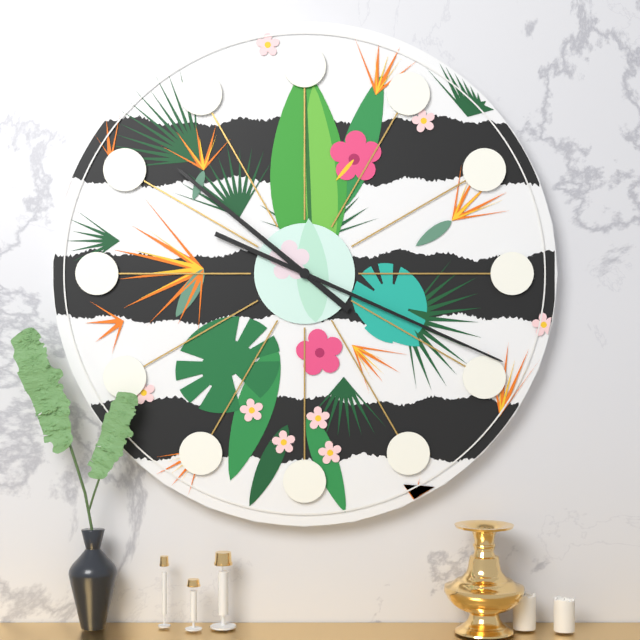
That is 10,19
